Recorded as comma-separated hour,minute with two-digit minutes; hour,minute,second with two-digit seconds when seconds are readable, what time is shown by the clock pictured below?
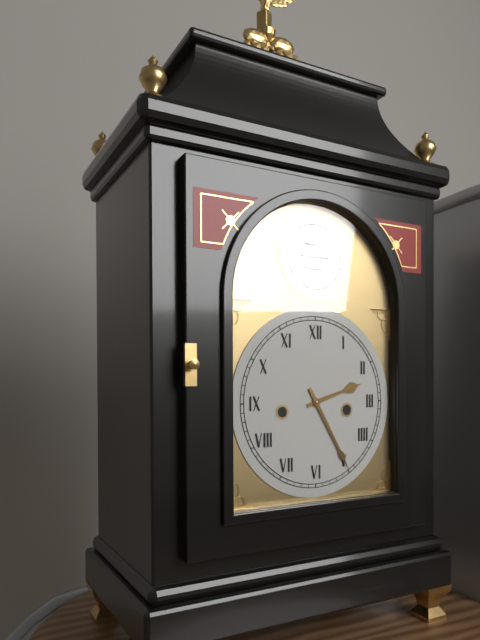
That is 2,25
